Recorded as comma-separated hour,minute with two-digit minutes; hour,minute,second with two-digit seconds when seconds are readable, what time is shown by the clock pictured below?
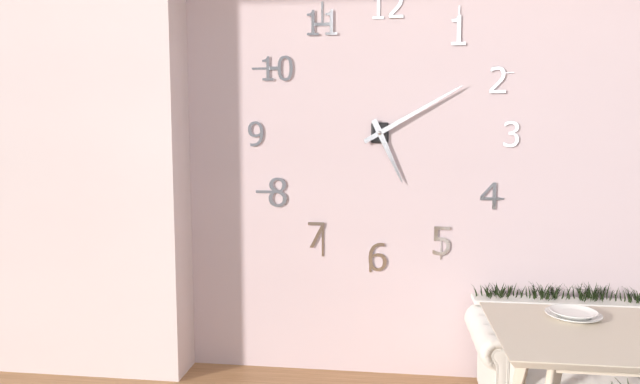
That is 5,10
